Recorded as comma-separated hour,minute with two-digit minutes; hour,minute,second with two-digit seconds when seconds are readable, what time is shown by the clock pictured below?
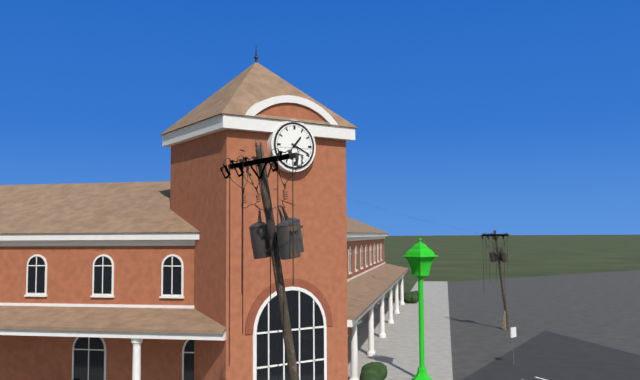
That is 1,19
